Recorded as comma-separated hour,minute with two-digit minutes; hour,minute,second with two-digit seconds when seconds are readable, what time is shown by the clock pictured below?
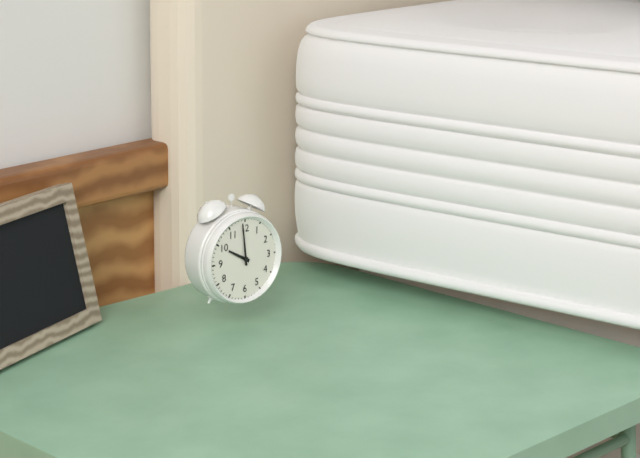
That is 9,59
